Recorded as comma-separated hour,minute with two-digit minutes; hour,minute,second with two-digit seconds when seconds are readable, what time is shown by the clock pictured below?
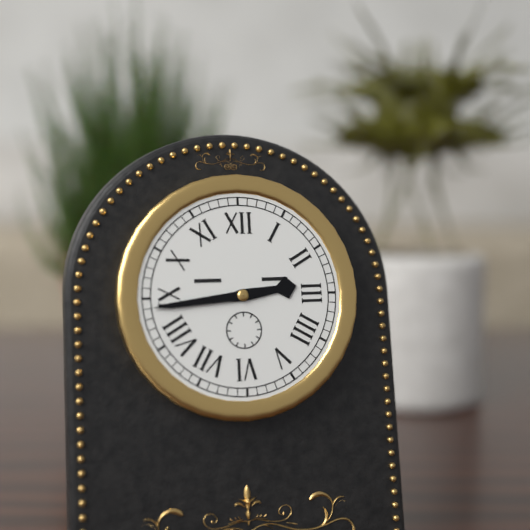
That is 2,44
